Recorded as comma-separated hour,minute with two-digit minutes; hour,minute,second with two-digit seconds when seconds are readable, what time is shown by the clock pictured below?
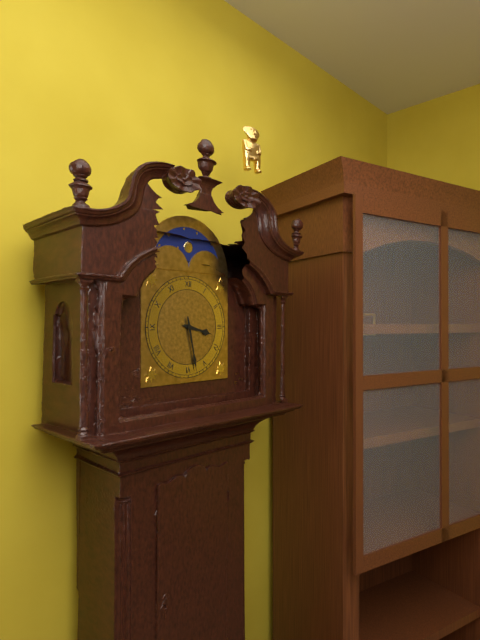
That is 3,28
